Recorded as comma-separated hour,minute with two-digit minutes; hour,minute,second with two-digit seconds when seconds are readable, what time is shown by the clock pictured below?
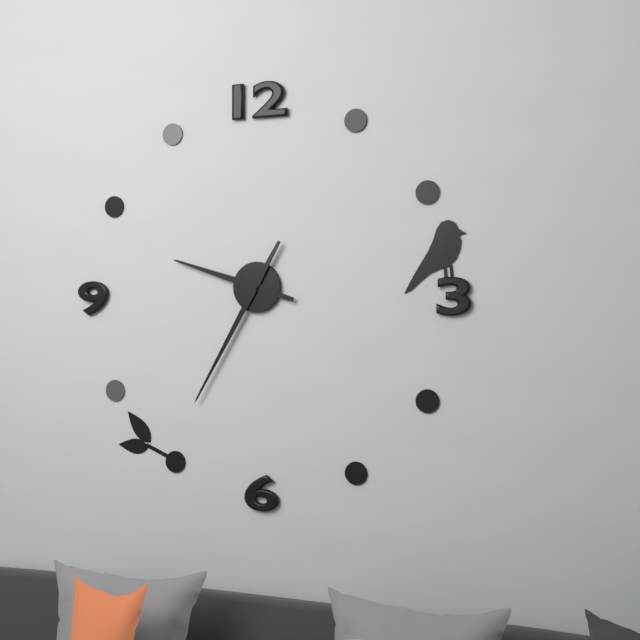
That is 9,35
